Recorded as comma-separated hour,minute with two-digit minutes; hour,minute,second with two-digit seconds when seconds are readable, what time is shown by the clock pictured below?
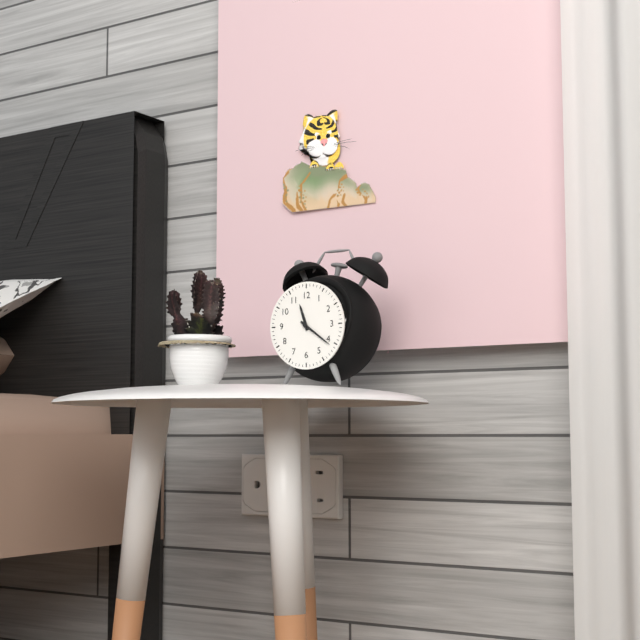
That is 11,21
